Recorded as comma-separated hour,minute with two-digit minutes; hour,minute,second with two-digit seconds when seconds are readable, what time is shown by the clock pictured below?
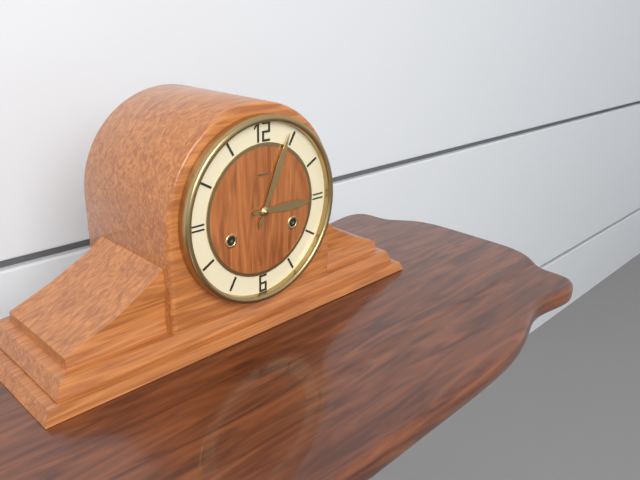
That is 3,04
